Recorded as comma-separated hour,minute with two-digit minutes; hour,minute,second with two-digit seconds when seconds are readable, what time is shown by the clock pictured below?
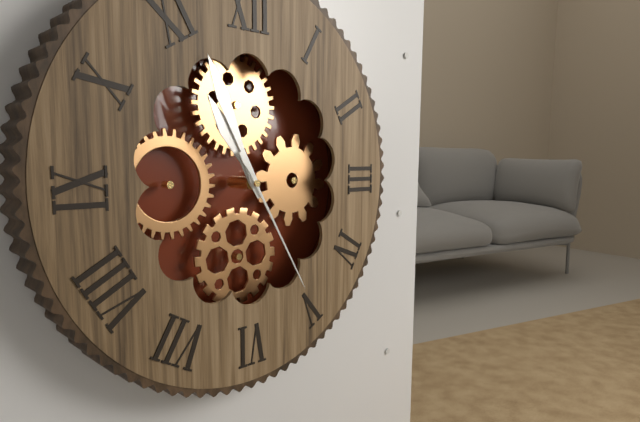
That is 10,56,25
